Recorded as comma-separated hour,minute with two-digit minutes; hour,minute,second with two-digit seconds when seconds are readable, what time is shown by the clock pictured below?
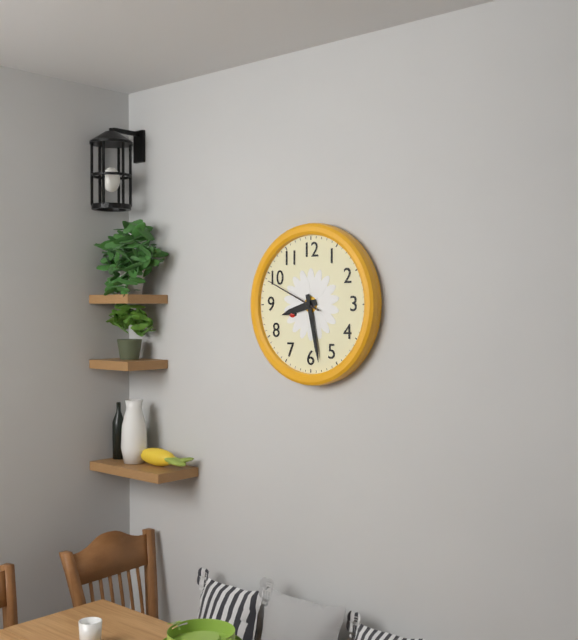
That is 8,28,49
